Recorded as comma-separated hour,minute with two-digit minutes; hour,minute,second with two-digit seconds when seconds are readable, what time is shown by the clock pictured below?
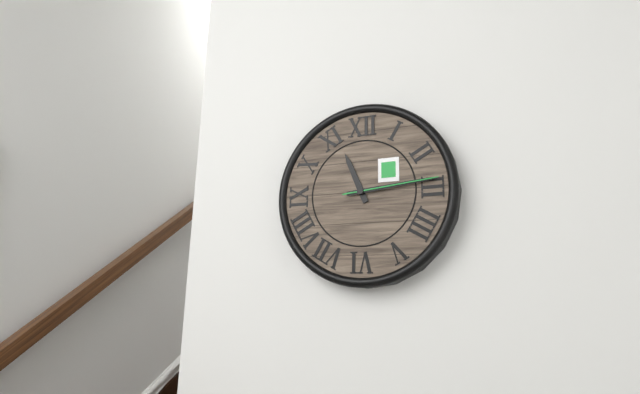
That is 11,14,14
